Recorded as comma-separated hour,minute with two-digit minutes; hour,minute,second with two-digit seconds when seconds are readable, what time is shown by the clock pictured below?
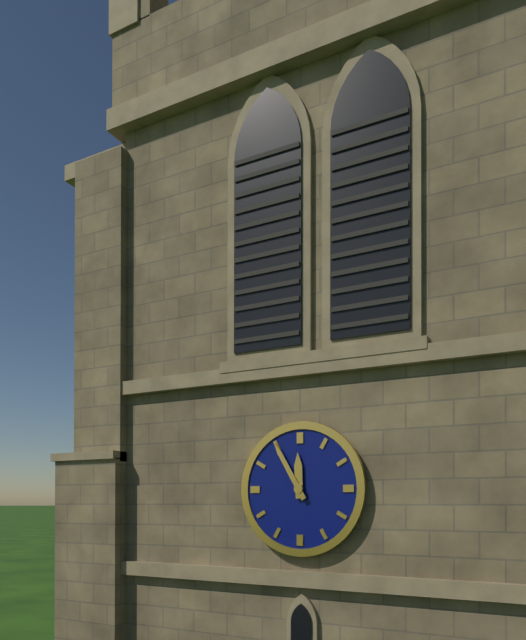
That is 11,55
